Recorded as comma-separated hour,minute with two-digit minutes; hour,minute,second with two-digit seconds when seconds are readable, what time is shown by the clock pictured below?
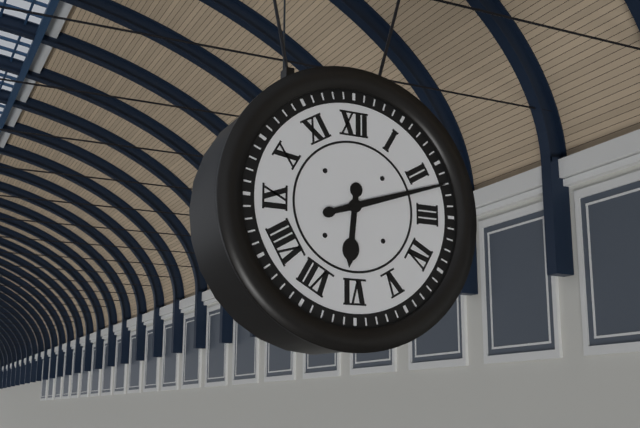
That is 6,12
